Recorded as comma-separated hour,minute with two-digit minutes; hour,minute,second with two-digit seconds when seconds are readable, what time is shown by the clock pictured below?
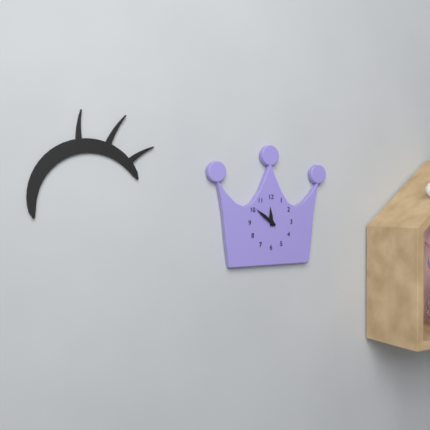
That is 11,51
